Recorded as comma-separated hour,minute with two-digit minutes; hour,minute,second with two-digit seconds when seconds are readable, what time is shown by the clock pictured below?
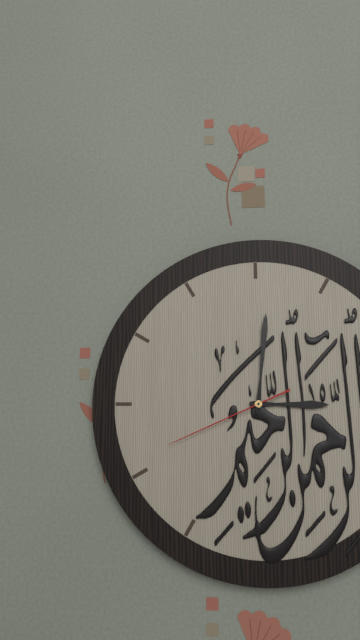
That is 3,01,41
